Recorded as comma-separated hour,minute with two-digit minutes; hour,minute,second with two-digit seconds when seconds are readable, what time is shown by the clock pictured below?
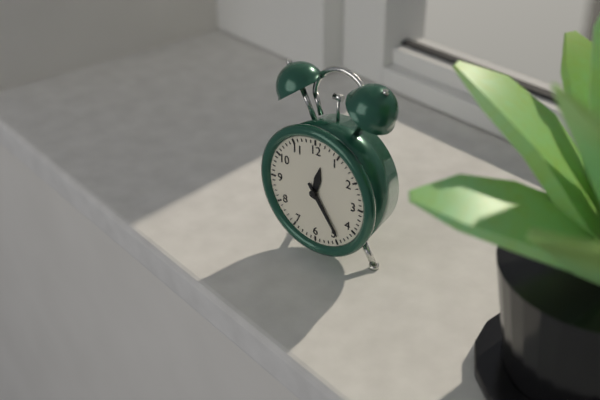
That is 12,24
